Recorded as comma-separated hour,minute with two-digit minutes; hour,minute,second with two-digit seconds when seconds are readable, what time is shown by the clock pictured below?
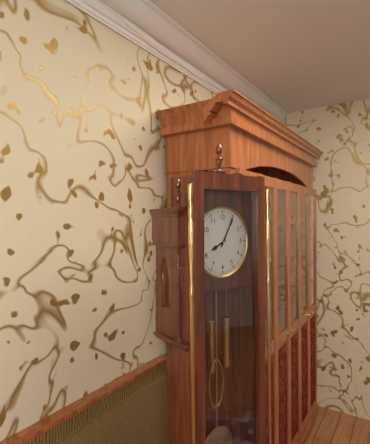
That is 8,05
